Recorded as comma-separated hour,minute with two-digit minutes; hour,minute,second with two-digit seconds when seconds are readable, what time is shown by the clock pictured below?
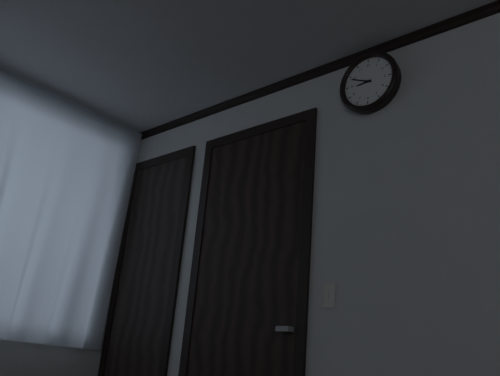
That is 8,49
